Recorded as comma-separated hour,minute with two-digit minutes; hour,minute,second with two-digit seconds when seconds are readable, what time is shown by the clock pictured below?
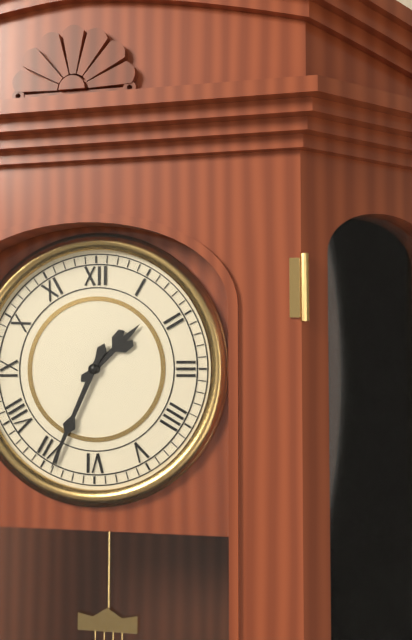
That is 1,34
